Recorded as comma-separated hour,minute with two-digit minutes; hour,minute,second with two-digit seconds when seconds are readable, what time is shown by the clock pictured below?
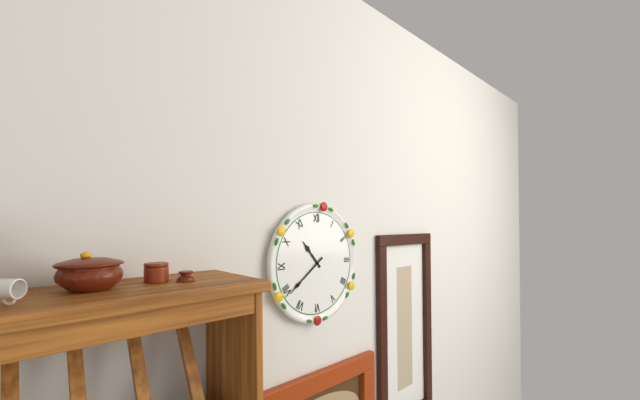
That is 10,39
